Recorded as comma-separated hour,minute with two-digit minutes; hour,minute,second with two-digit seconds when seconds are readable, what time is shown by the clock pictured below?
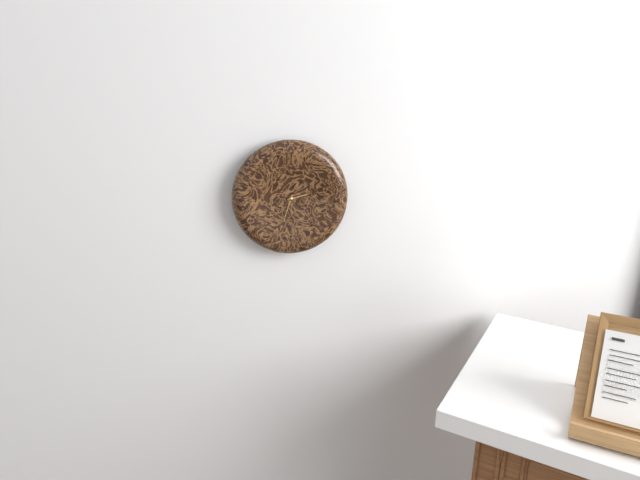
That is 2,33
